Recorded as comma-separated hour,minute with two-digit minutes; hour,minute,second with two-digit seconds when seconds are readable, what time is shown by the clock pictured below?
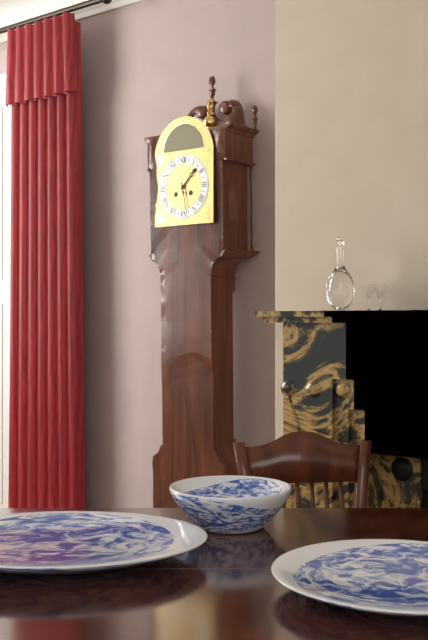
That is 1,28
